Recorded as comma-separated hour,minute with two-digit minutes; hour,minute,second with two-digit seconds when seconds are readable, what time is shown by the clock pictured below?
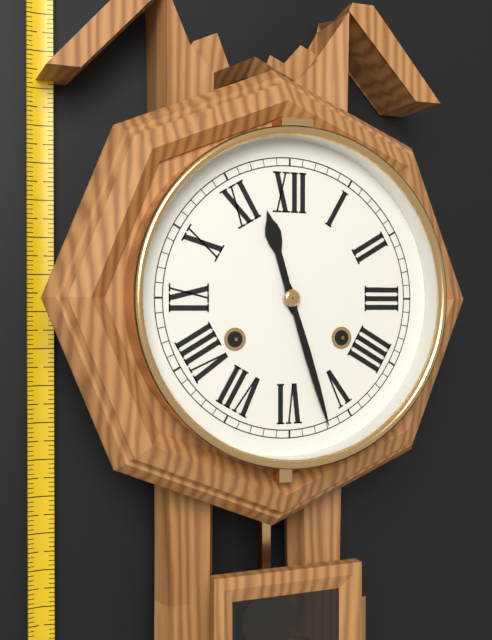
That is 11,27
